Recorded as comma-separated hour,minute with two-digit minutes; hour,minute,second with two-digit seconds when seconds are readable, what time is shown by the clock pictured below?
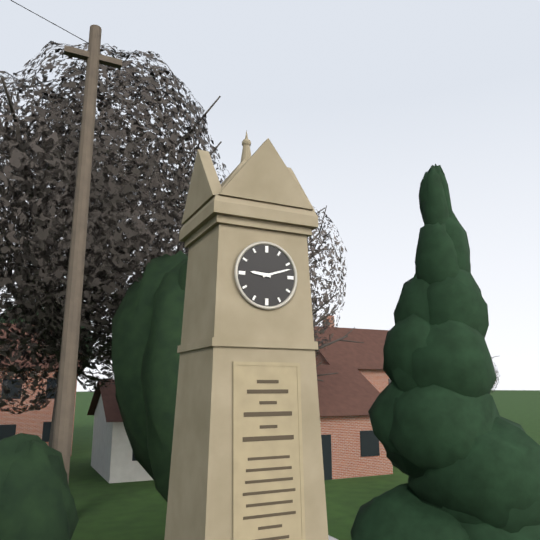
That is 9,12
